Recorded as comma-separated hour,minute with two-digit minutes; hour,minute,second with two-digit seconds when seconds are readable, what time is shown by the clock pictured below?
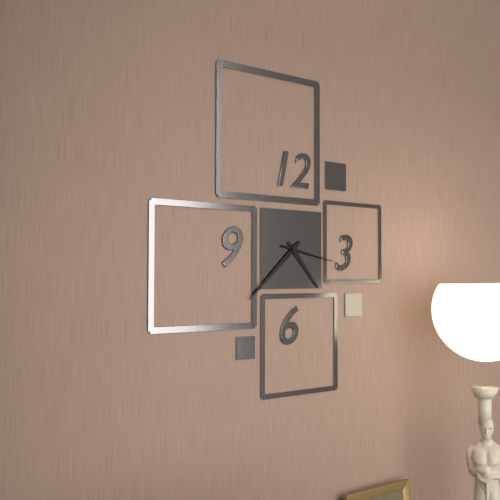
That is 4,38,17
